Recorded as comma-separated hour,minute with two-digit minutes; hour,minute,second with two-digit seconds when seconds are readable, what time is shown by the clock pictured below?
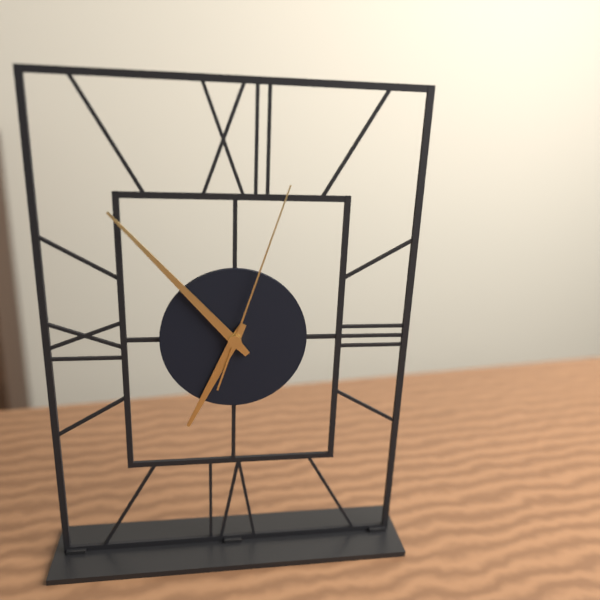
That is 6,53,03
